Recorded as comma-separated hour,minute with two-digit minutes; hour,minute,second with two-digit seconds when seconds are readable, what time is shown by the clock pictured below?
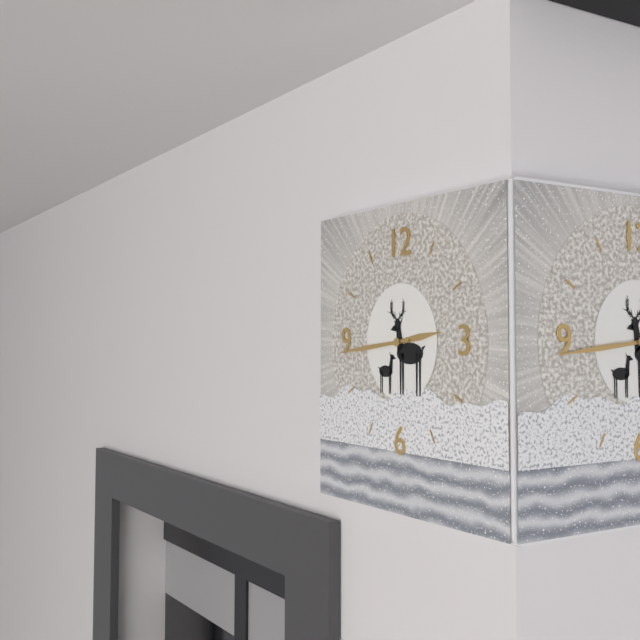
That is 2,44
